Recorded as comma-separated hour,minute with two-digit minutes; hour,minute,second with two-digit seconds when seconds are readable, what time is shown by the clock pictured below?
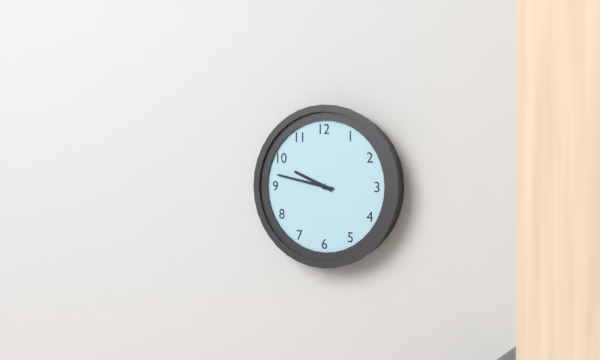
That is 9,47
